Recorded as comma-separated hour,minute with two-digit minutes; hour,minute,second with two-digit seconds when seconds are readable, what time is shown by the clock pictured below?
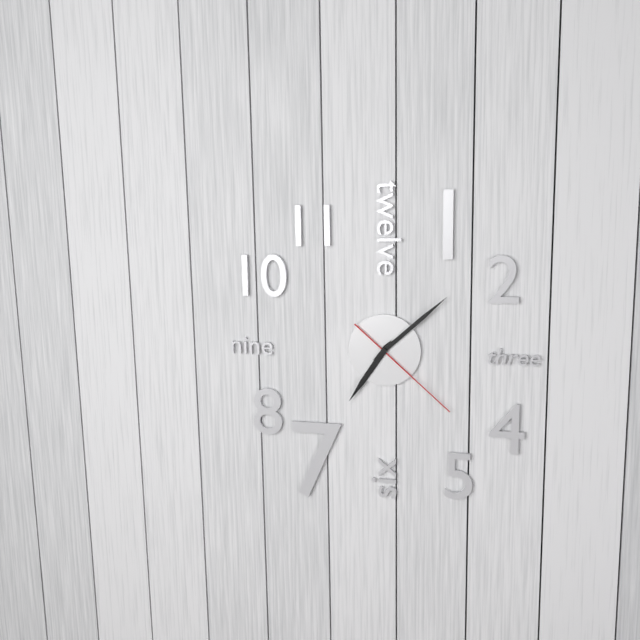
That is 7,08,22
